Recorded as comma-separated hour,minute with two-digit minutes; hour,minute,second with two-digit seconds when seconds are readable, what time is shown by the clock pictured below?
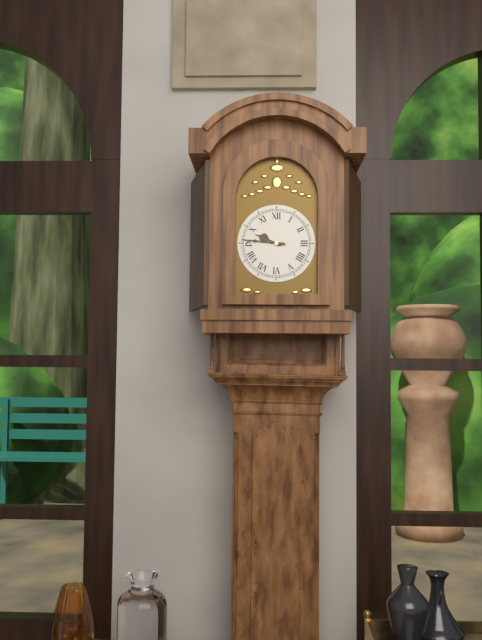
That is 9,46
